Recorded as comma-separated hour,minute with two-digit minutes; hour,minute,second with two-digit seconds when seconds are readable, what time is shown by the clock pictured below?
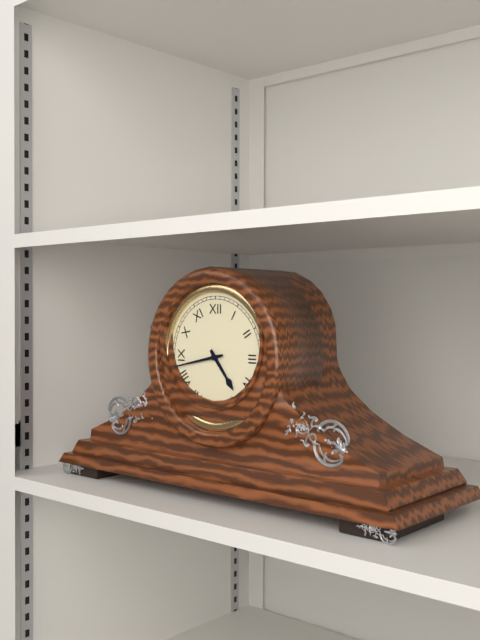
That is 4,43
